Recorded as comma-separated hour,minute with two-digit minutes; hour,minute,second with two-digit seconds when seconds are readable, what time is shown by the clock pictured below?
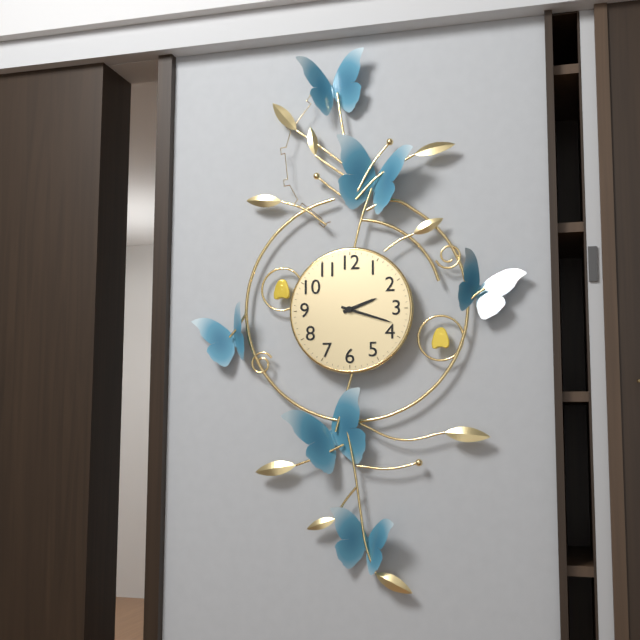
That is 2,18
